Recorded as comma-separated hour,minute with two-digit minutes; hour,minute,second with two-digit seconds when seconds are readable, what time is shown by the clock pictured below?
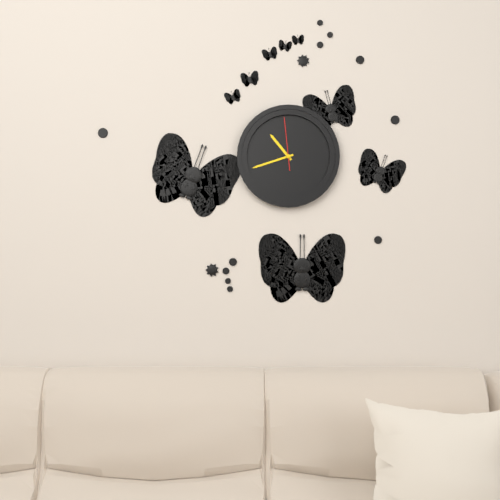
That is 10,42,59
